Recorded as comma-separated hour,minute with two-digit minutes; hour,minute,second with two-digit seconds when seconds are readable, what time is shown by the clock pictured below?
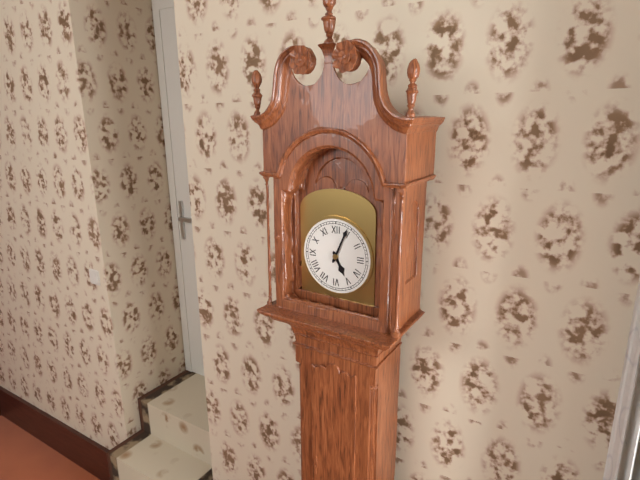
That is 5,04
